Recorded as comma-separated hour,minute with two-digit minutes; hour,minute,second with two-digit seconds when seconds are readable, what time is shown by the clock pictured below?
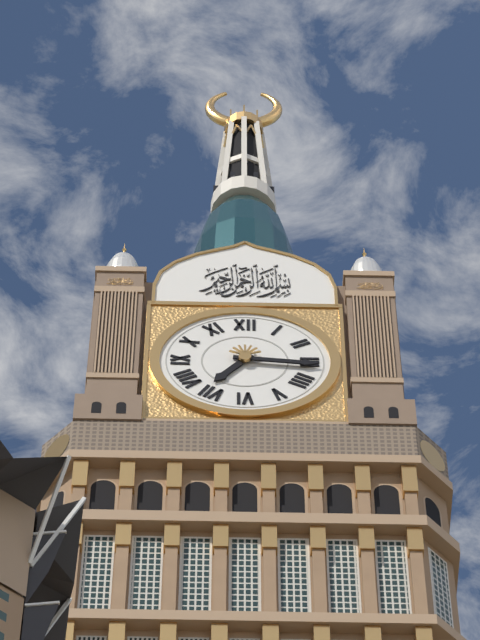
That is 7,16
